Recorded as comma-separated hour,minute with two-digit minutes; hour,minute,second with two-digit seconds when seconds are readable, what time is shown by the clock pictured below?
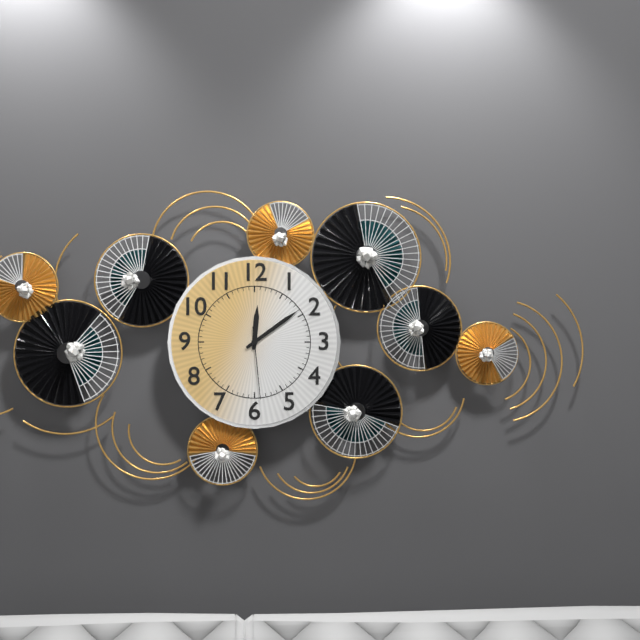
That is 12,09,29
